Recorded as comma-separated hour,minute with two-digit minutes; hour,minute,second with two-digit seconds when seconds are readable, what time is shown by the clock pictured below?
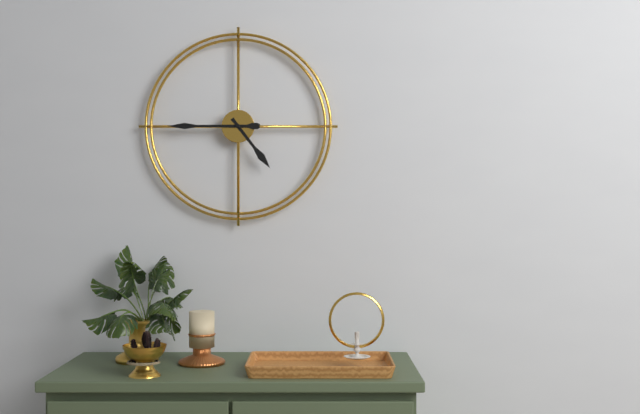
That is 4,45
